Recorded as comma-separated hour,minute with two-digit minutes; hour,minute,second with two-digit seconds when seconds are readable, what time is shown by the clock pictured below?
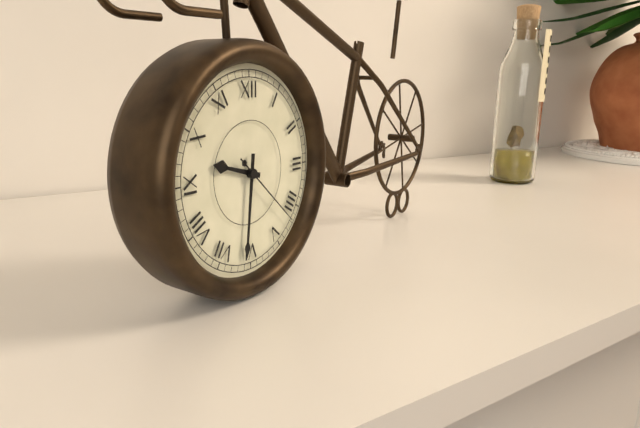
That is 9,31,22
